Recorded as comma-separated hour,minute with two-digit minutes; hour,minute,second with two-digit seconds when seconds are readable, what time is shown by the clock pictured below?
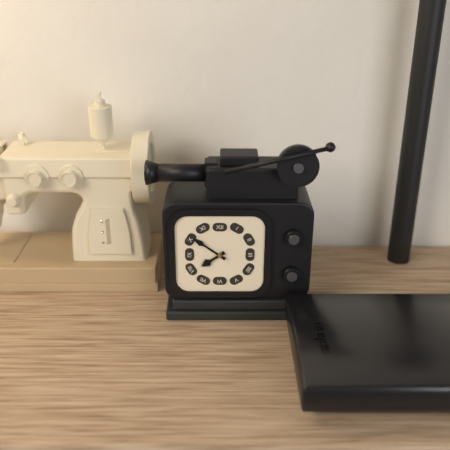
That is 7,51
